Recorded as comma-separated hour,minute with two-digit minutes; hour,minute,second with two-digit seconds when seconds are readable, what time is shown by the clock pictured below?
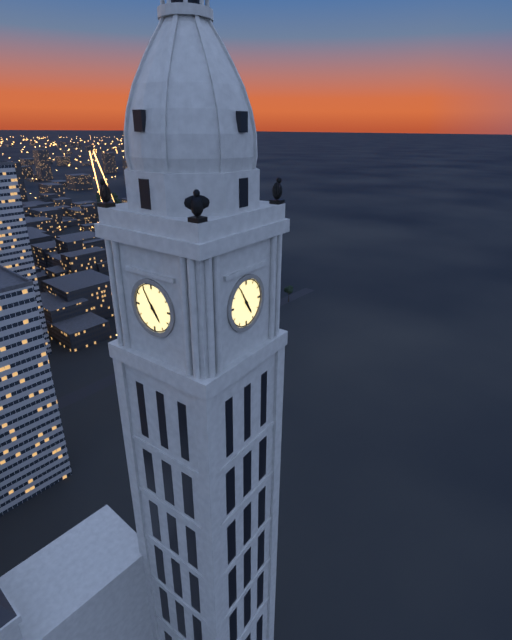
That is 4,55
